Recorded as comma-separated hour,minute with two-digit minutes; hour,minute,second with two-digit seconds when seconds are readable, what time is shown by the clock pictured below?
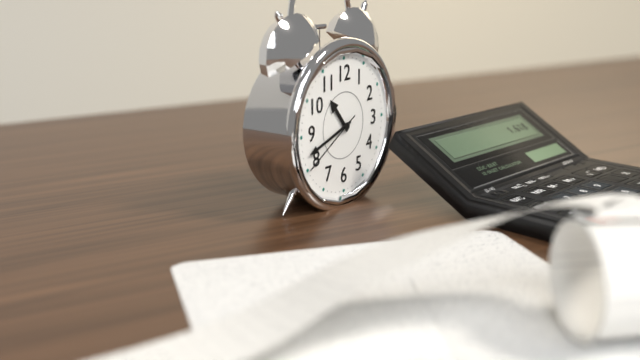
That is 10,42,40
